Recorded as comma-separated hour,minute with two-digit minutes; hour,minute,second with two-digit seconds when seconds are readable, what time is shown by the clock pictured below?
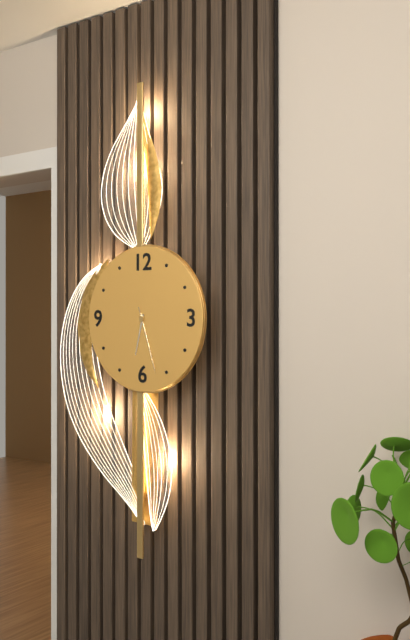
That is 6,27,27
